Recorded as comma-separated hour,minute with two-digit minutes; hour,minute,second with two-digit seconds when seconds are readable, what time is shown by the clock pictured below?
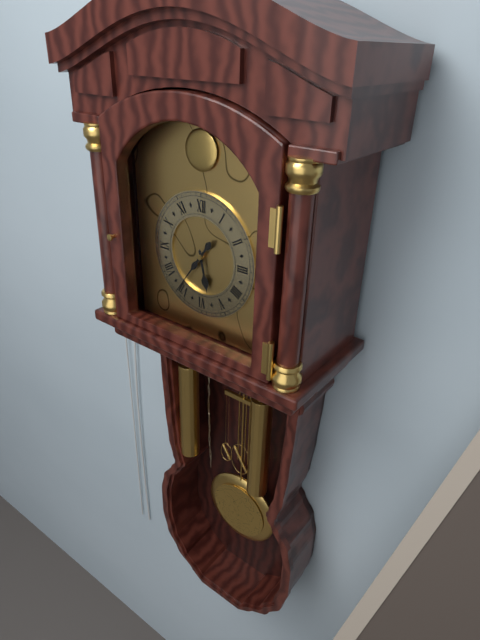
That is 5,36
